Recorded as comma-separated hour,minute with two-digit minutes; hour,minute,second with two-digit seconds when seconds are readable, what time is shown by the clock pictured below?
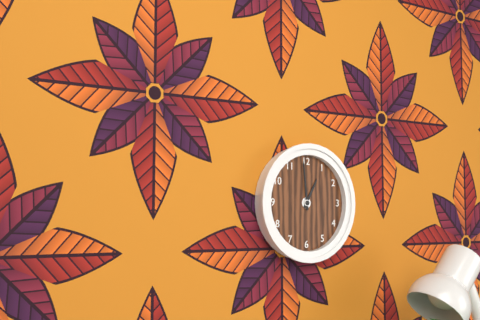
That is 12,59
